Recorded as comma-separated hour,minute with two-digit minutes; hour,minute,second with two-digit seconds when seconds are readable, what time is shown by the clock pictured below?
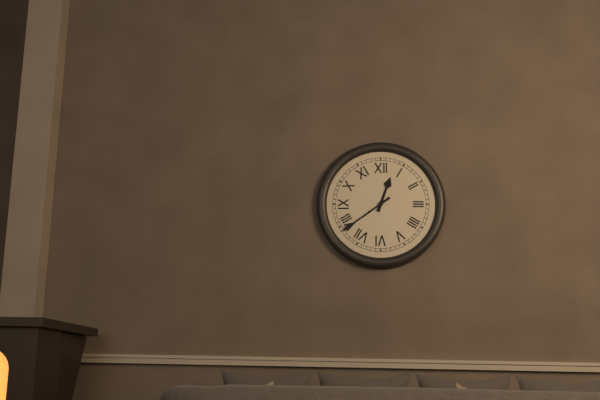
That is 12,39
